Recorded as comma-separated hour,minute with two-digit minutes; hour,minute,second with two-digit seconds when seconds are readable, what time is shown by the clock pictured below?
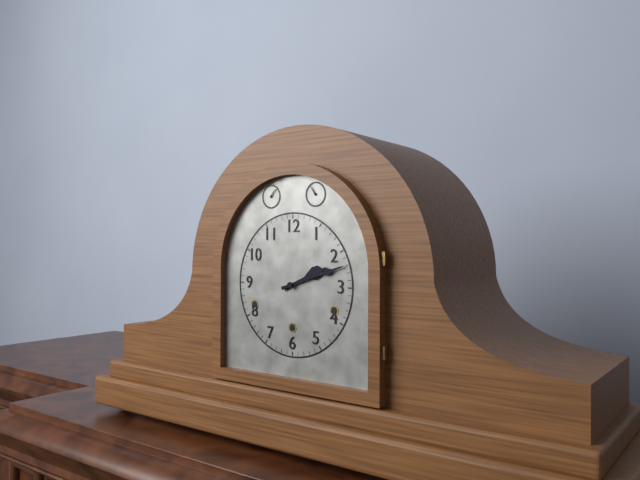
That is 2,12
